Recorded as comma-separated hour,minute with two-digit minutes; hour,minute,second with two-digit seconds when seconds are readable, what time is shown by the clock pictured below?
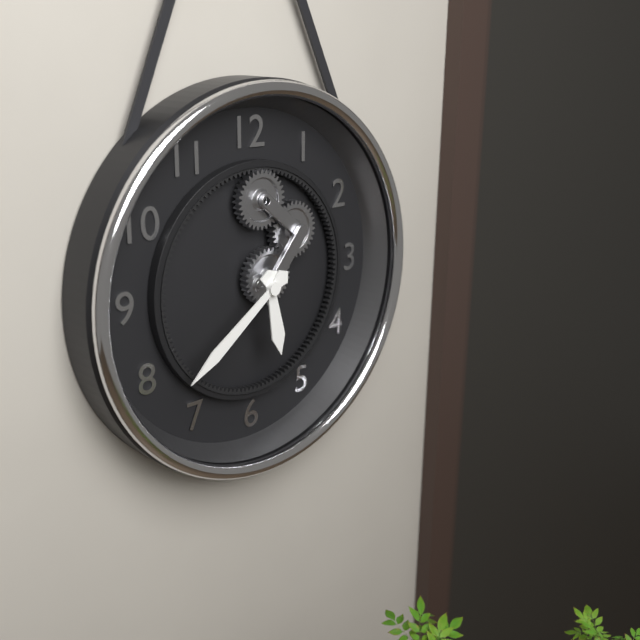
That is 5,39
